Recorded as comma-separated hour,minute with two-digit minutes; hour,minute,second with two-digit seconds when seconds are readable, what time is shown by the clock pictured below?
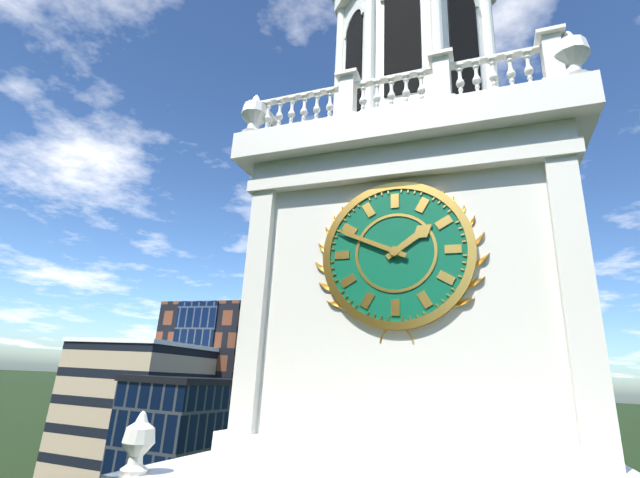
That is 1,49
